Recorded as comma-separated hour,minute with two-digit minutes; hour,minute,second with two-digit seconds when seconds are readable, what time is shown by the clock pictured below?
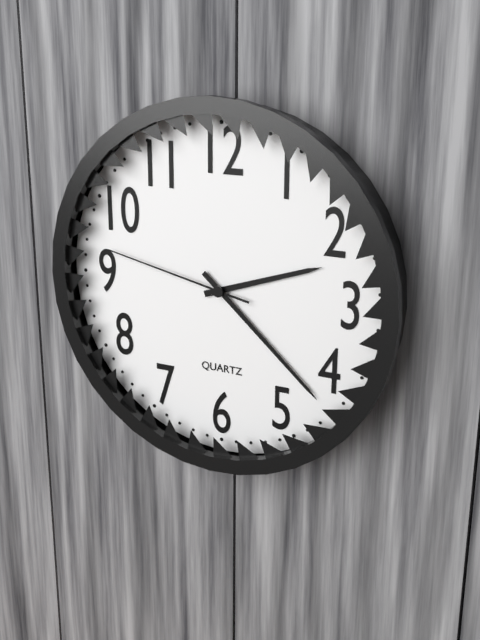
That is 2,22,47
